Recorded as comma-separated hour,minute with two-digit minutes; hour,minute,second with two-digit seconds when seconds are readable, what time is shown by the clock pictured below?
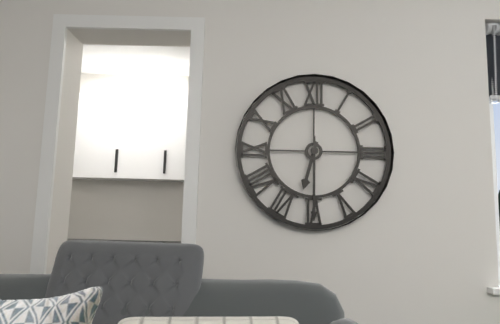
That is 6,30
